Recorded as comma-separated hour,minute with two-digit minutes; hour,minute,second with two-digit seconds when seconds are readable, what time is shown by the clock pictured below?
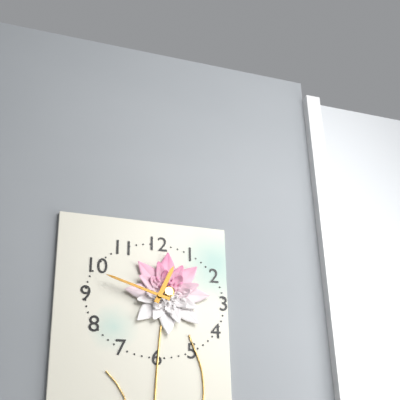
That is 12,48
